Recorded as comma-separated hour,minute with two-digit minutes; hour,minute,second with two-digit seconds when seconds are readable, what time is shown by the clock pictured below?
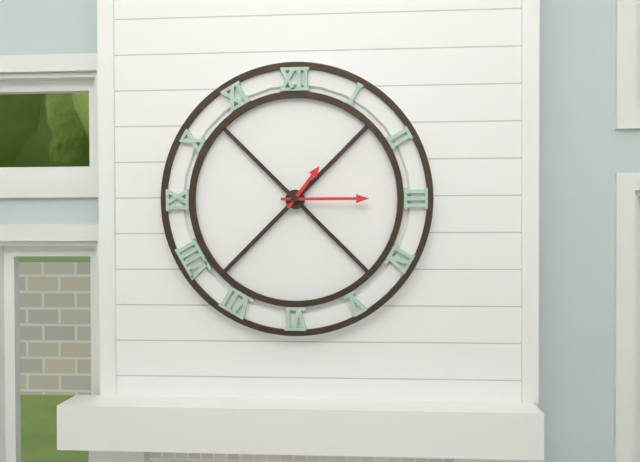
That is 1,15
